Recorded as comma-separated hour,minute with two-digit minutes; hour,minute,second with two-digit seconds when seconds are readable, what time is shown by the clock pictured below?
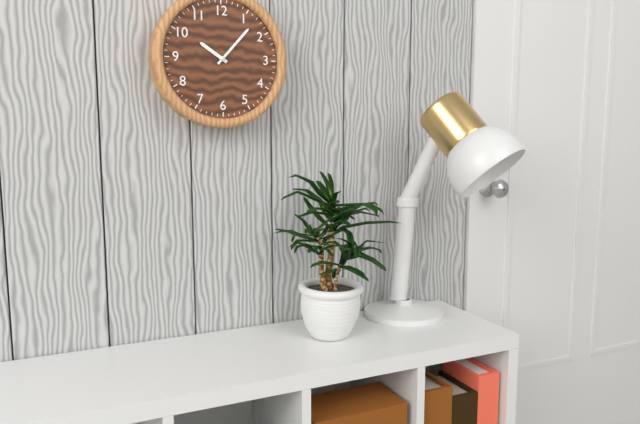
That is 10,07
